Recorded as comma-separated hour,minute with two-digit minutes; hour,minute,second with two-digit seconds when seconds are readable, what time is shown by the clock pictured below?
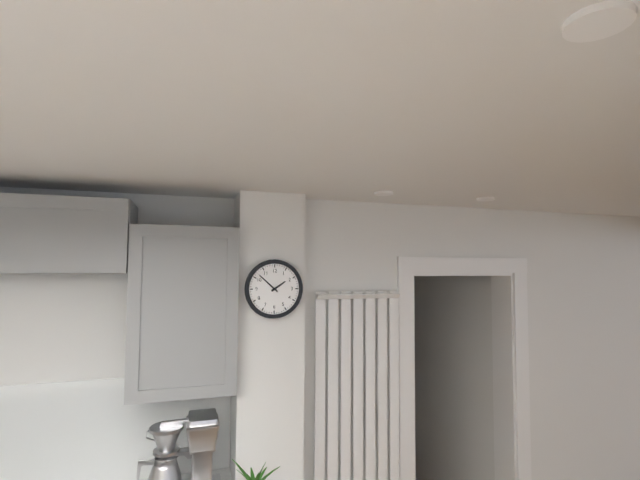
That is 1,52
